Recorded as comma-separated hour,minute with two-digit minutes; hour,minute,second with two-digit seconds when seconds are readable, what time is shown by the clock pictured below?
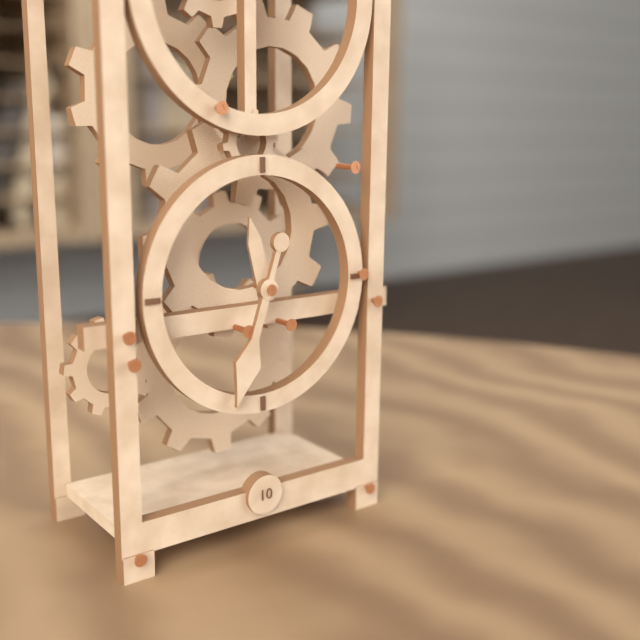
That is 11,33
